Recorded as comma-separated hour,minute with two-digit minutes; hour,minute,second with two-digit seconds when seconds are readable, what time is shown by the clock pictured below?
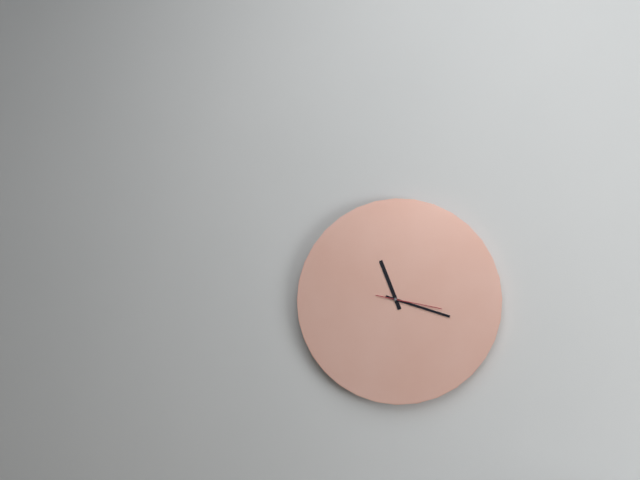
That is 11,18,17
